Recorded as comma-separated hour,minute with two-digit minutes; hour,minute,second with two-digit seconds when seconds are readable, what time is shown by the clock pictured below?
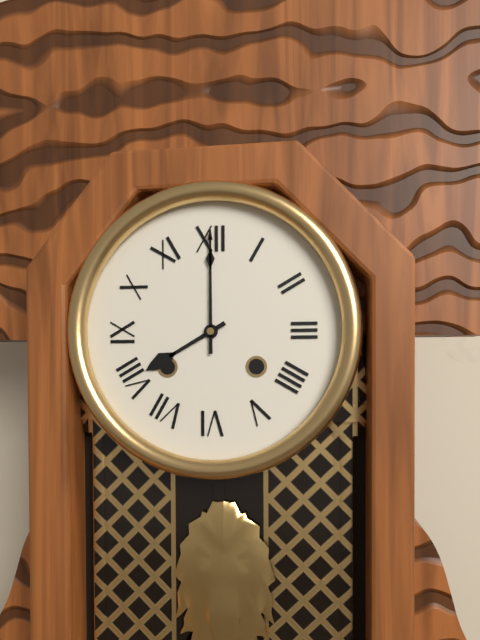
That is 8,00
